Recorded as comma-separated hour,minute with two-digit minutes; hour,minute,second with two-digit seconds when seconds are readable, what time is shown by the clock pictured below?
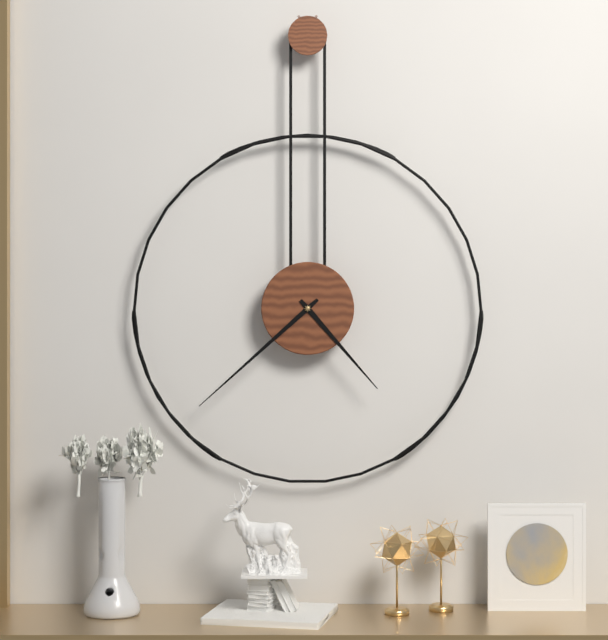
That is 4,38
